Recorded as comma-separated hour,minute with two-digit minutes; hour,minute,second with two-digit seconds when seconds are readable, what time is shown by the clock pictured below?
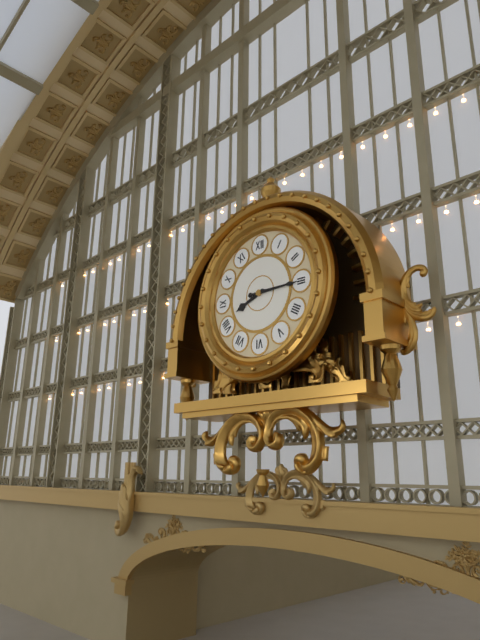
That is 8,15
